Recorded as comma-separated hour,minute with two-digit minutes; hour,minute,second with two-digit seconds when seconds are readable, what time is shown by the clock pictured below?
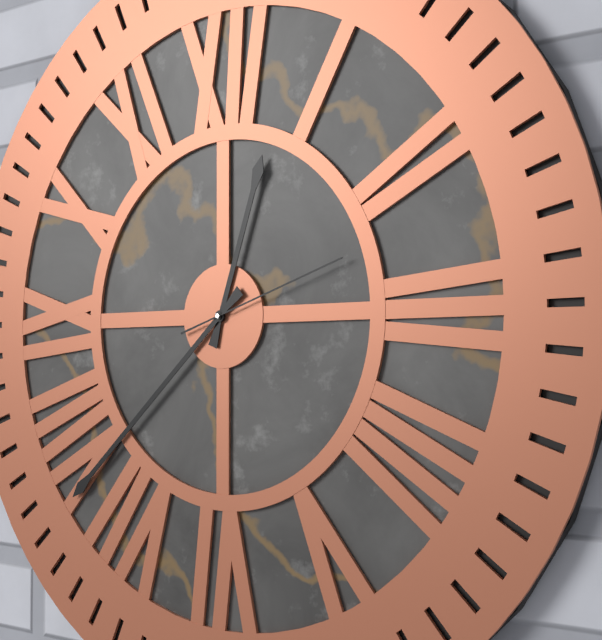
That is 12,38,12
